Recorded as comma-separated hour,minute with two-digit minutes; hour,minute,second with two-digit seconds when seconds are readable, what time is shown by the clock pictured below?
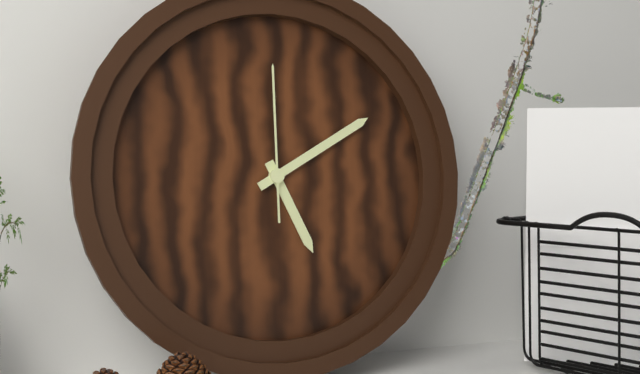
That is 5,10,00
